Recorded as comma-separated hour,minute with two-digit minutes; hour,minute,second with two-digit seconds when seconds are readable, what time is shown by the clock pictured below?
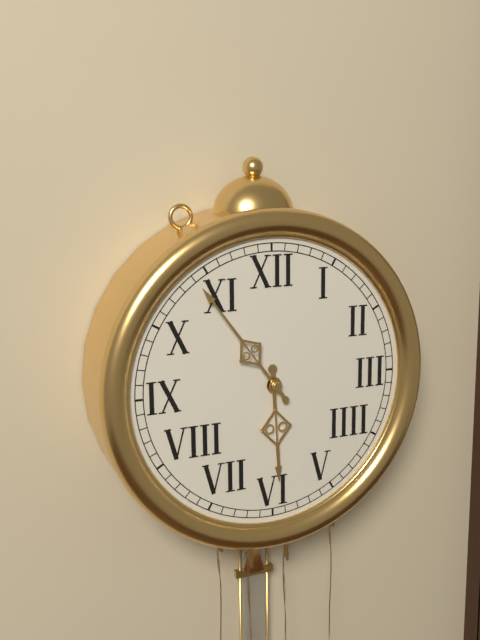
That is 5,54
